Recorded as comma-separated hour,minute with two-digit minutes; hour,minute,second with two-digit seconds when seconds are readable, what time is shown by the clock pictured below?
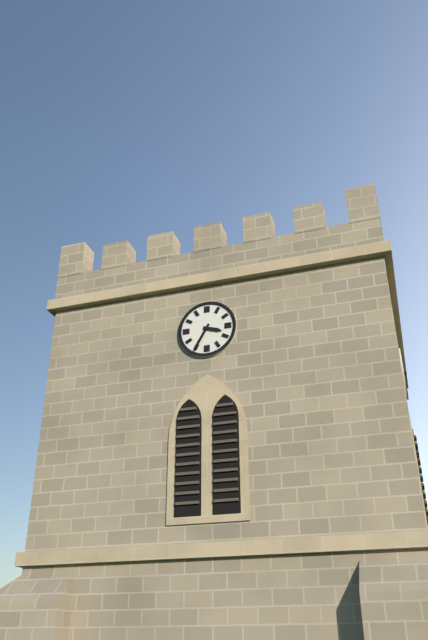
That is 3,35
